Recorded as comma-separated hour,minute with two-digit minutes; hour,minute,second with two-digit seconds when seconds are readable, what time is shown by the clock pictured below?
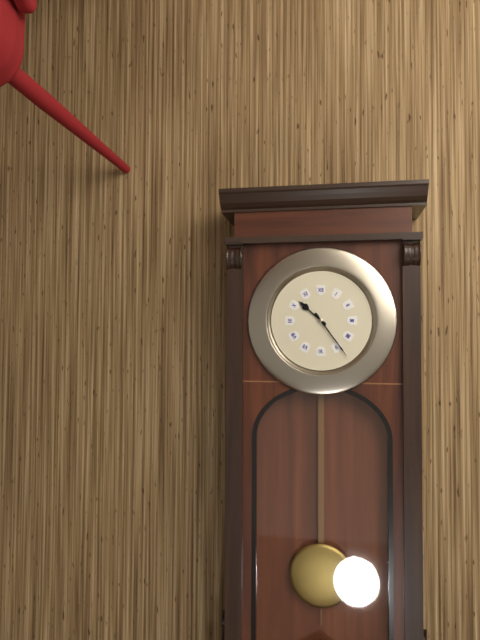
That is 10,24
